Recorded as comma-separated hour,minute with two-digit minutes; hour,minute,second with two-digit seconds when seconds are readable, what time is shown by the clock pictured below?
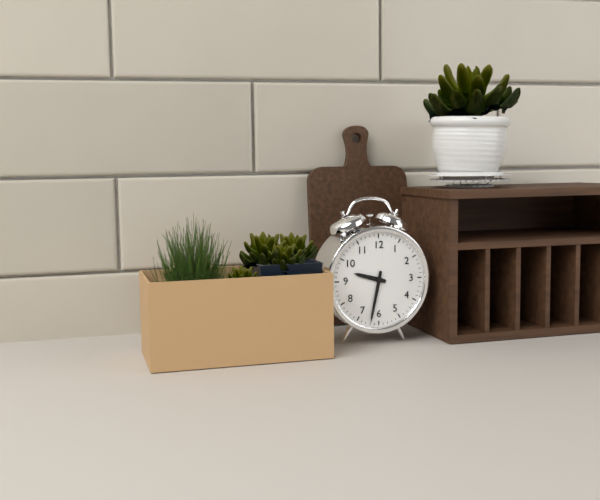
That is 9,32
